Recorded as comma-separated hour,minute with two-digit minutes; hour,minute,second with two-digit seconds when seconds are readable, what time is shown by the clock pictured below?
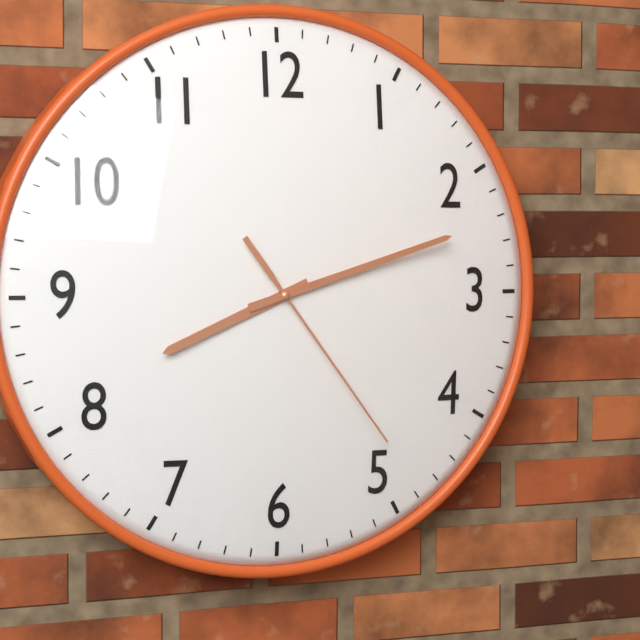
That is 8,12,24
